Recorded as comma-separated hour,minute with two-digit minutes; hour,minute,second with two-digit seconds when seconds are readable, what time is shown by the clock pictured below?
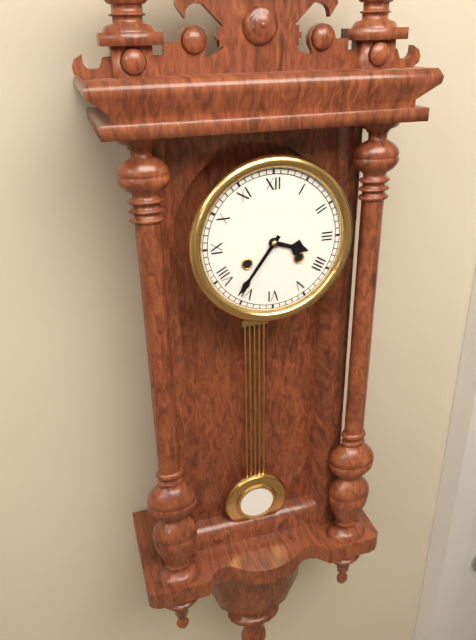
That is 3,36
